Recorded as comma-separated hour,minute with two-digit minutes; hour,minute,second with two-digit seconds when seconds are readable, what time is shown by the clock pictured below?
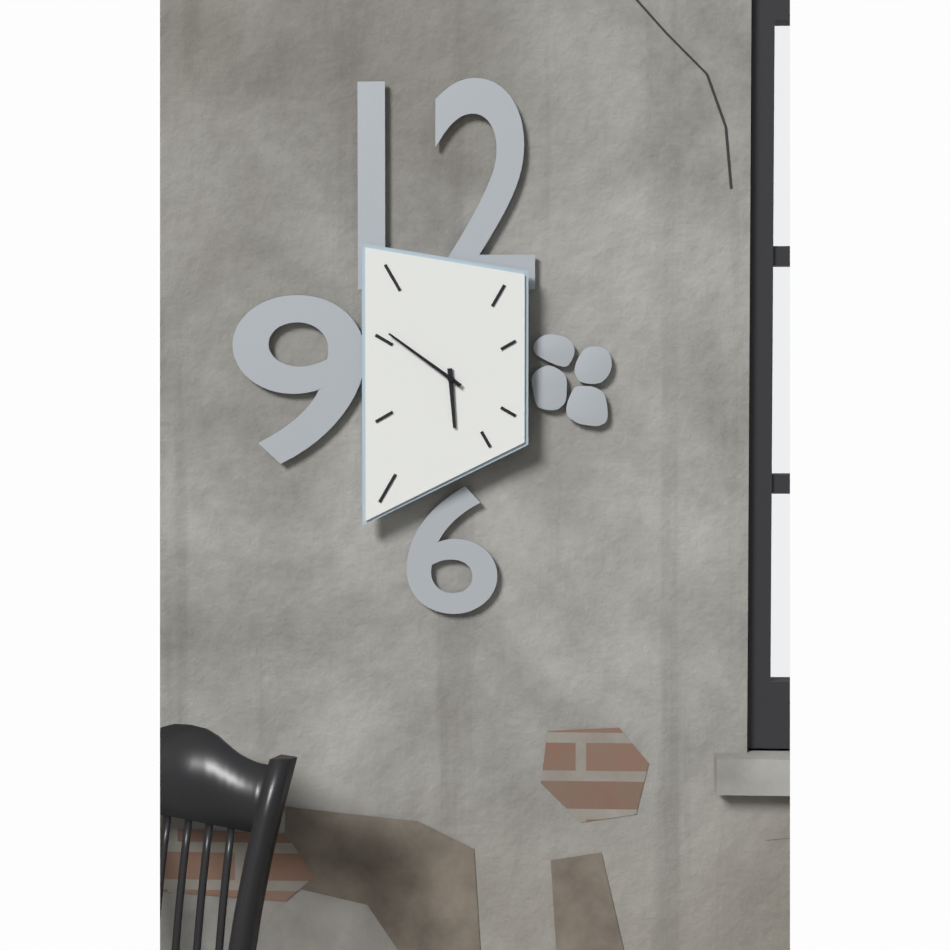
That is 5,51
